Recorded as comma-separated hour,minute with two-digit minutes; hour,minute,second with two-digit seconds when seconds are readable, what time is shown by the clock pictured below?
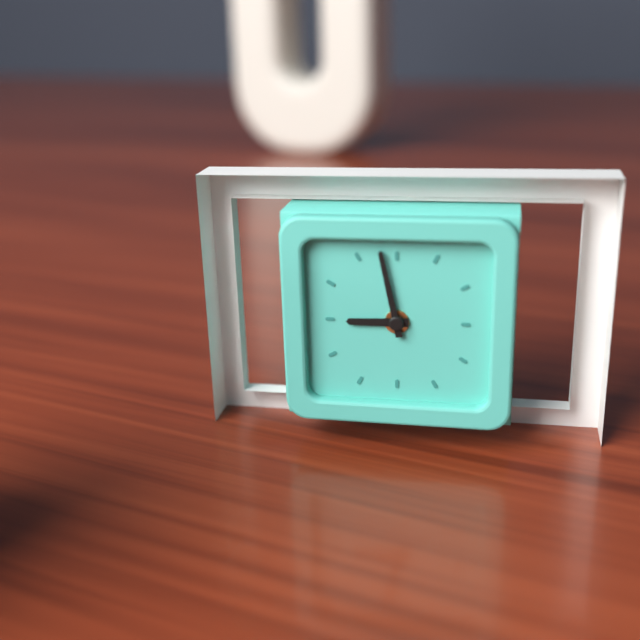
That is 8,58
